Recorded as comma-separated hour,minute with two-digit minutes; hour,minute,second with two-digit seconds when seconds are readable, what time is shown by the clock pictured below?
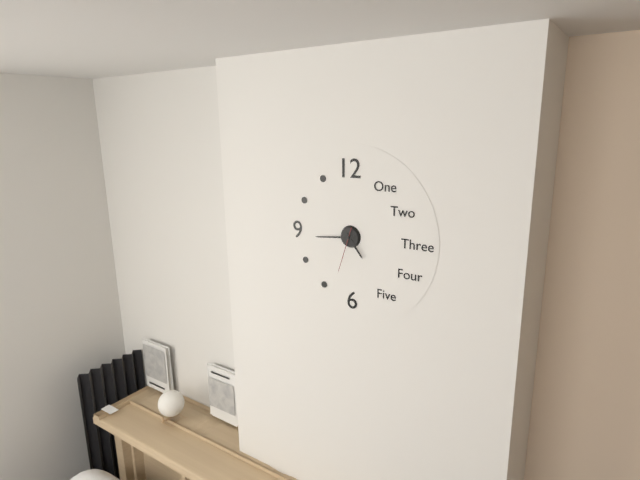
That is 4,44
